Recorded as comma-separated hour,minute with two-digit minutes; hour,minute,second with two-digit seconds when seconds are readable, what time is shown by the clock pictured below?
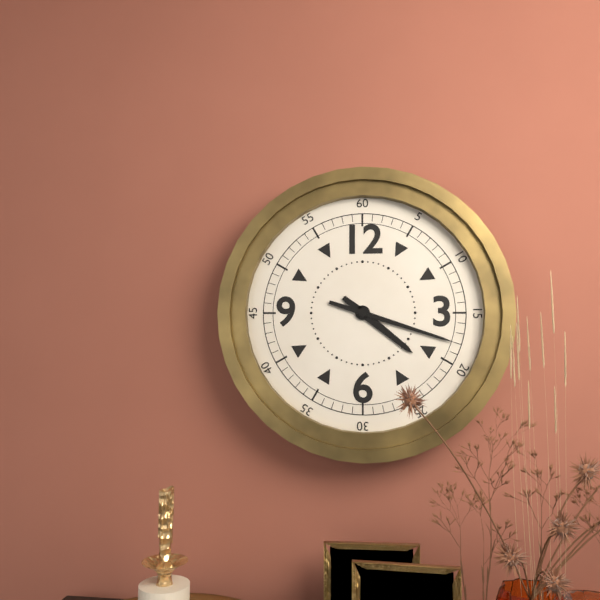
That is 4,18
